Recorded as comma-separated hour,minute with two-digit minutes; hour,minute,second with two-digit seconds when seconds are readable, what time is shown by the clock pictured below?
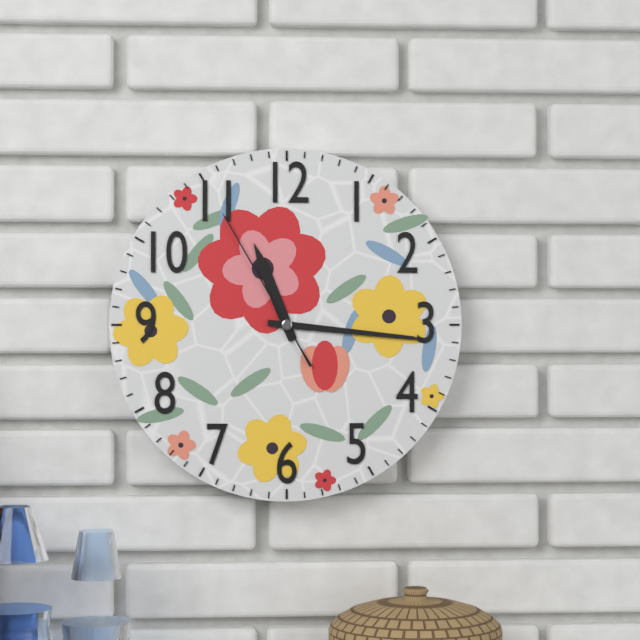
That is 11,16,55
